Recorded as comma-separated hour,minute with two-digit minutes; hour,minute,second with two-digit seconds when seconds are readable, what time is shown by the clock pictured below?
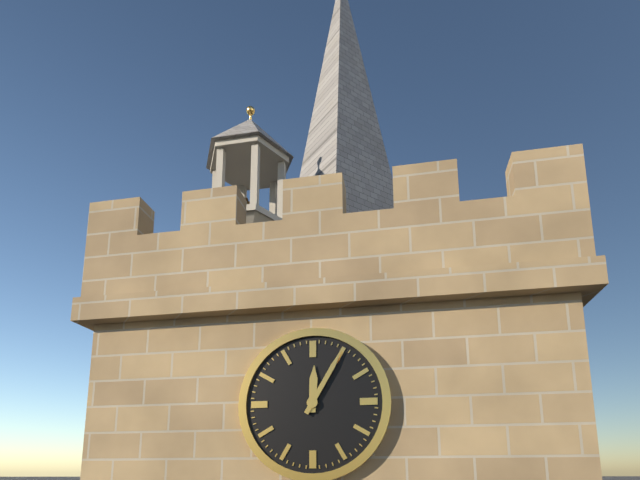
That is 12,05
